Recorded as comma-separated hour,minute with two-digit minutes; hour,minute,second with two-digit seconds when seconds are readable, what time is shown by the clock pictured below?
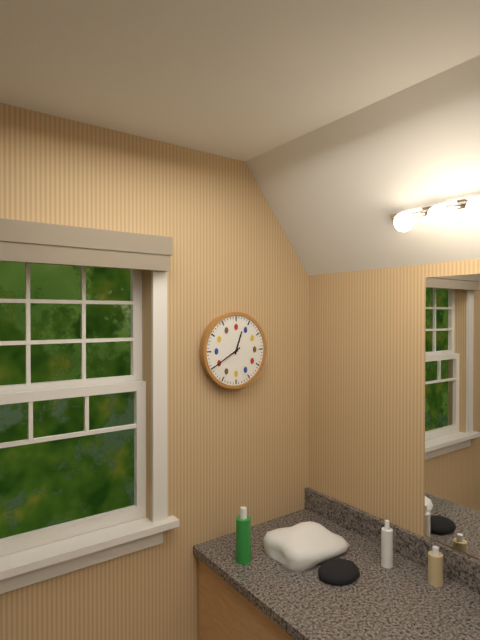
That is 12,40
